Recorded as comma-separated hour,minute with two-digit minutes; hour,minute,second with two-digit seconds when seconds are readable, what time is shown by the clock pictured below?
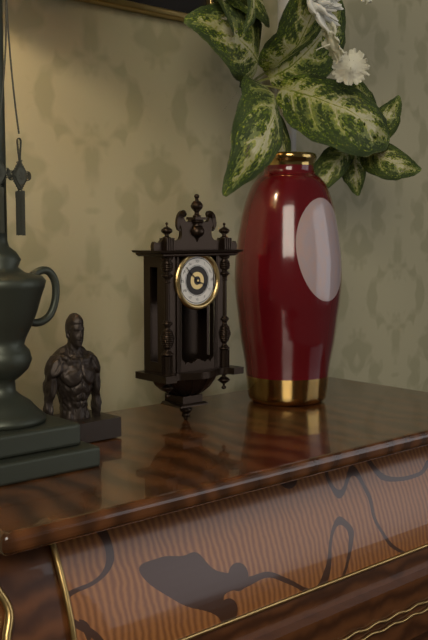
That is 3,52
